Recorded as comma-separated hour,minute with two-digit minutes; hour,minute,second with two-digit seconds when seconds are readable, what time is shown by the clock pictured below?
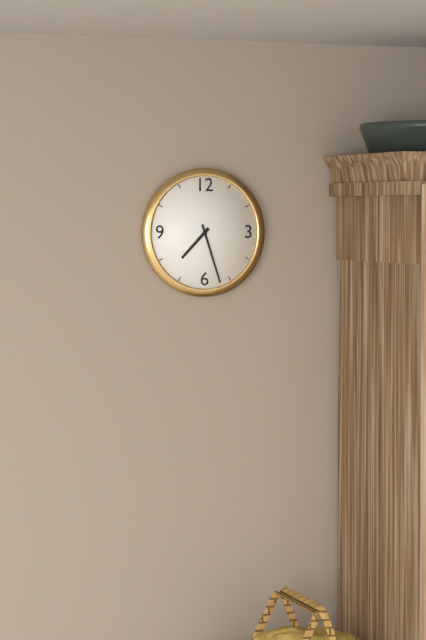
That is 7,27
